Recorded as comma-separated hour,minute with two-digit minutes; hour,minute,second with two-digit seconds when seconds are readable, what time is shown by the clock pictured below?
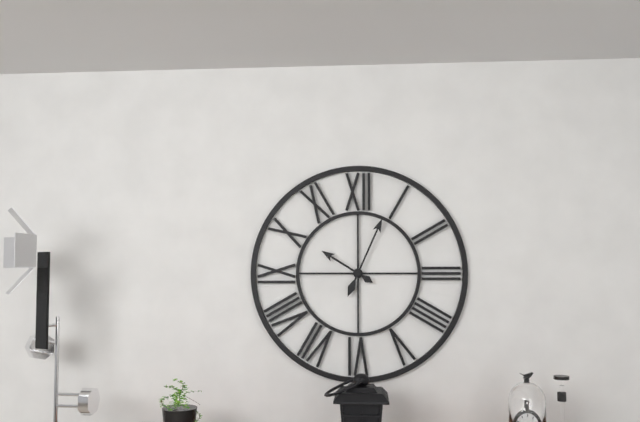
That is 10,04
